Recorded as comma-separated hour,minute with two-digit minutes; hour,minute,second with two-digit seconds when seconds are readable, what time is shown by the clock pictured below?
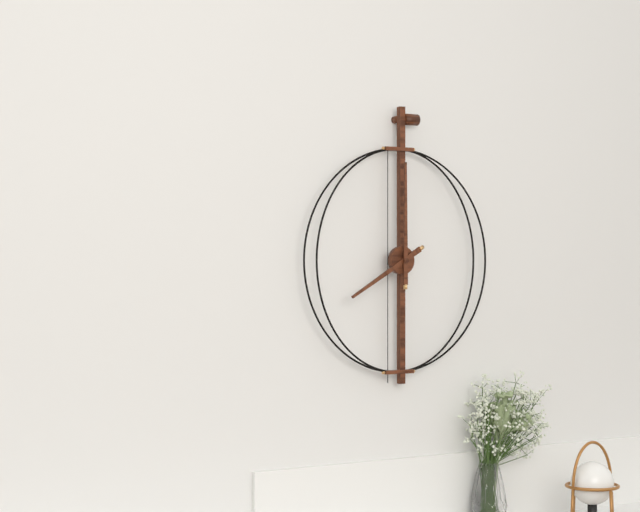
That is 8,00
